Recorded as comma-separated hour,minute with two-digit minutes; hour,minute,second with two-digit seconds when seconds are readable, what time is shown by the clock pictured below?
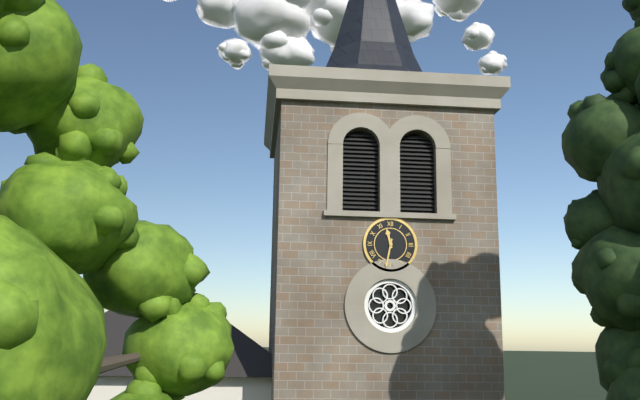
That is 11,32
